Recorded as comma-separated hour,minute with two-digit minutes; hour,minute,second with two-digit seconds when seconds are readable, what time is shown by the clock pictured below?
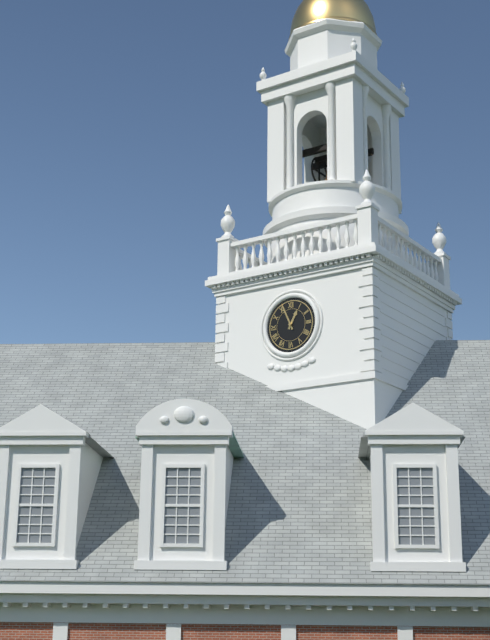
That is 12,56
